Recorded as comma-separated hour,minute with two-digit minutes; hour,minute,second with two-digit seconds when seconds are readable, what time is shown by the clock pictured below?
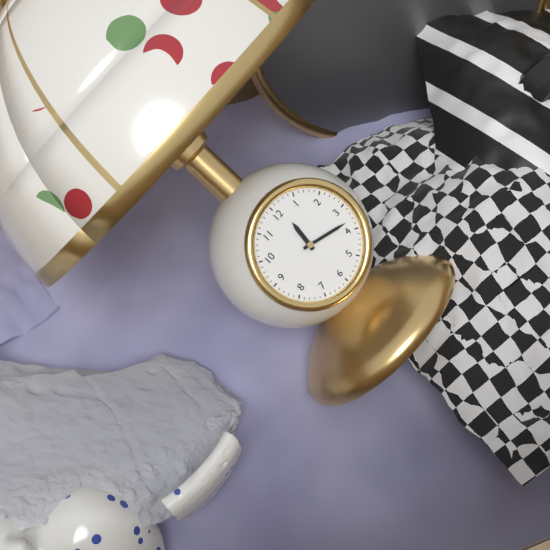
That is 12,18
